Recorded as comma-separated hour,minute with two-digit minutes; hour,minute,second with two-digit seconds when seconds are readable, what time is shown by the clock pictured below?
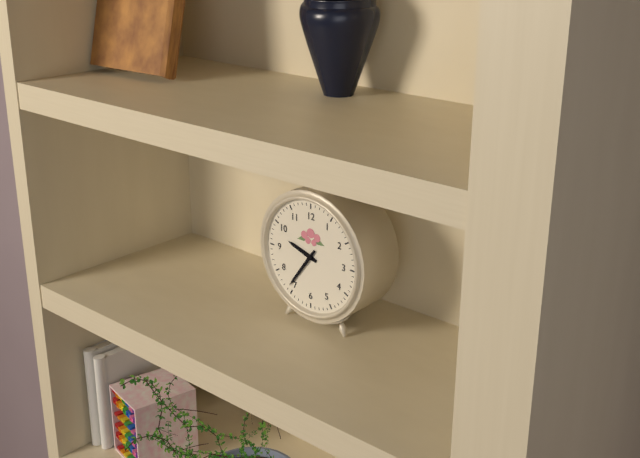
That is 9,36
